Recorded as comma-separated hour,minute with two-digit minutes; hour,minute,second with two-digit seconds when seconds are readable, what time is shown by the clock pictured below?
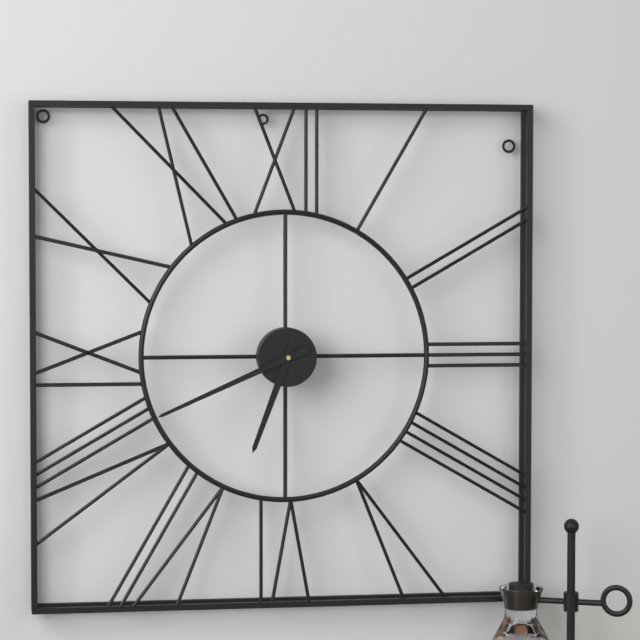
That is 6,41
